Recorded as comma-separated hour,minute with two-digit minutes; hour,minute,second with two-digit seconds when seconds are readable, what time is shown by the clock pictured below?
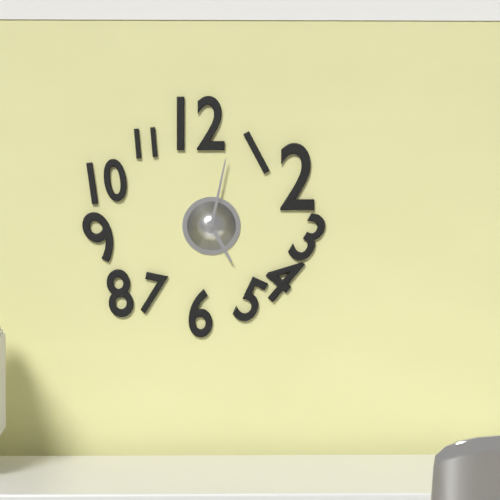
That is 5,02
